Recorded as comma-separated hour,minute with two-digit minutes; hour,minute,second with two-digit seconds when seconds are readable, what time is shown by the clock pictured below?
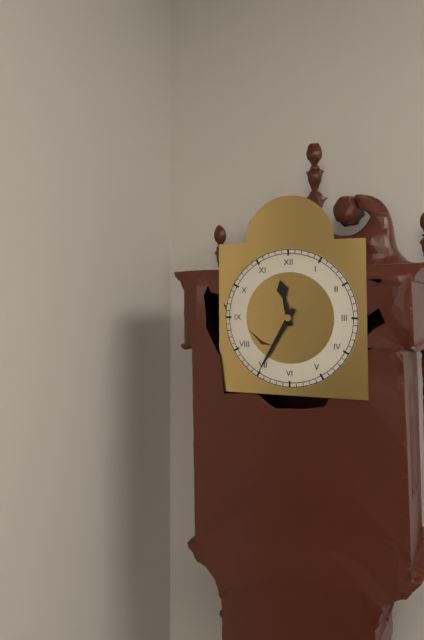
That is 11,35
